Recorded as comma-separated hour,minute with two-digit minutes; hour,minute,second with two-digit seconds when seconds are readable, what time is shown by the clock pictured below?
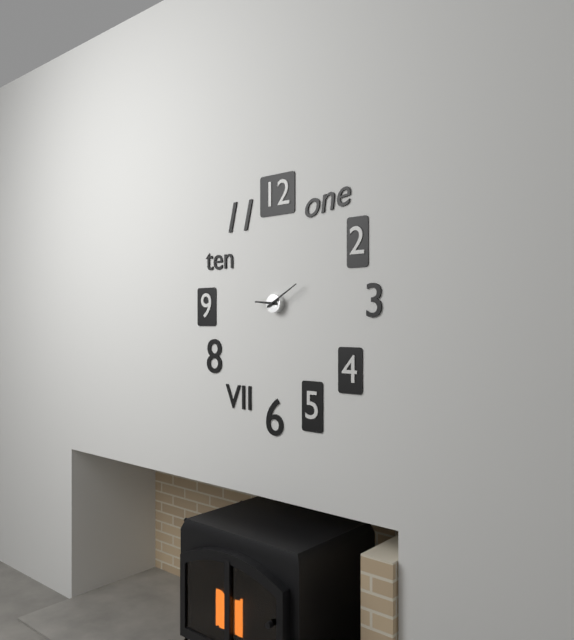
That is 9,10
